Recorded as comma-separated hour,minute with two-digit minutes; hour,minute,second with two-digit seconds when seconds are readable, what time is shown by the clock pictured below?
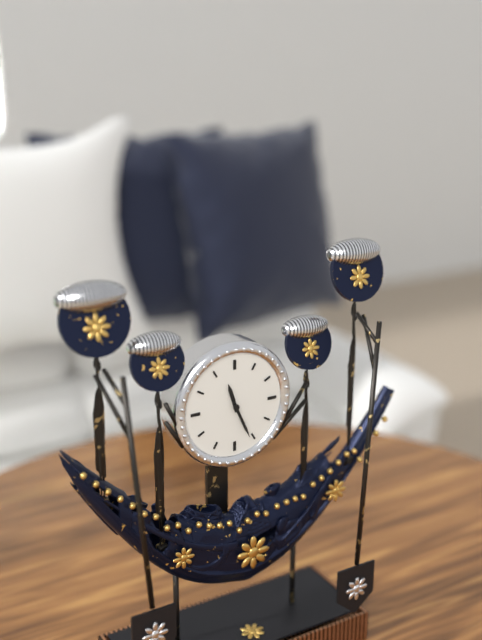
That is 11,26
